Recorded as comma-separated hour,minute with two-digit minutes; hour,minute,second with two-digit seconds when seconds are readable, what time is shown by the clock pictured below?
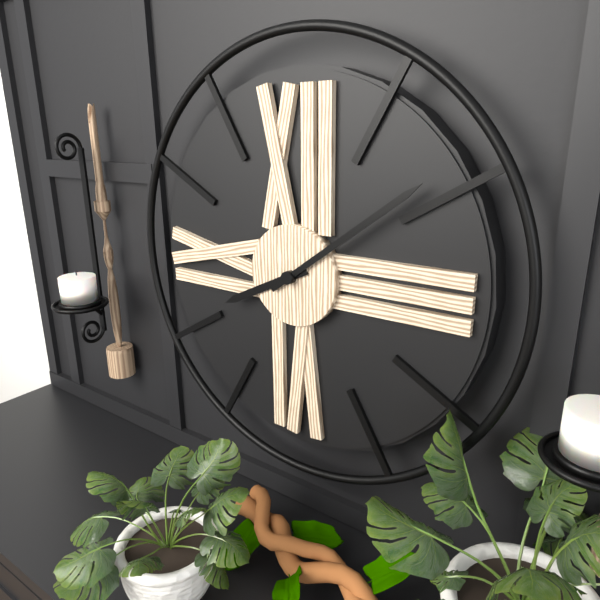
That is 8,09
